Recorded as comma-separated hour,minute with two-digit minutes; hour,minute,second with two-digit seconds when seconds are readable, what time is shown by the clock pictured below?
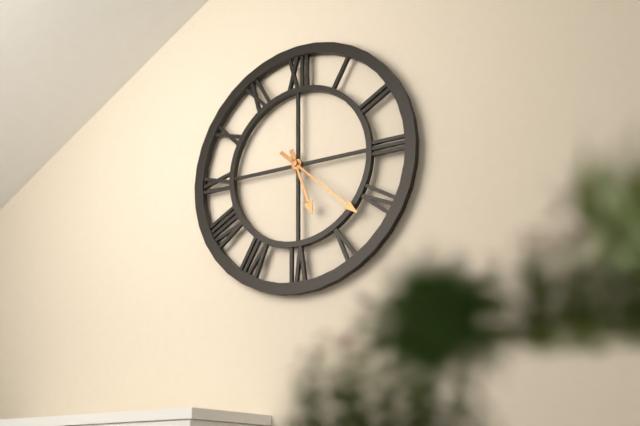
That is 5,22
